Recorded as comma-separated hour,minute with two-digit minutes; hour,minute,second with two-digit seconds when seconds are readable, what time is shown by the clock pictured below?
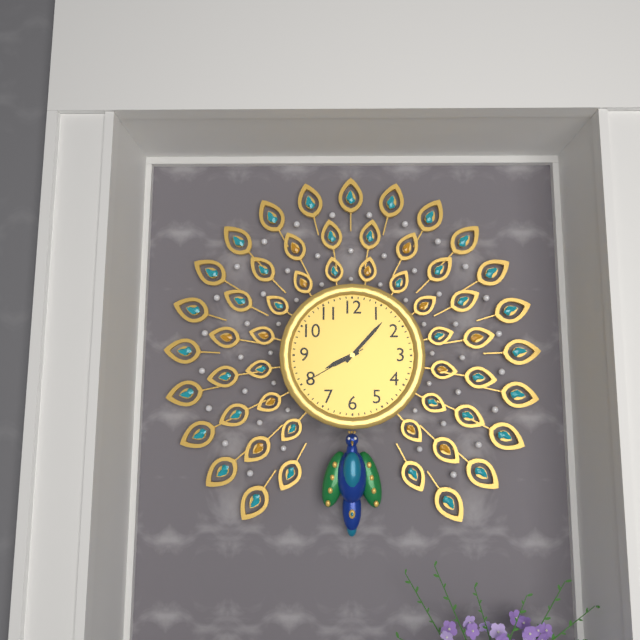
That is 8,07,40
